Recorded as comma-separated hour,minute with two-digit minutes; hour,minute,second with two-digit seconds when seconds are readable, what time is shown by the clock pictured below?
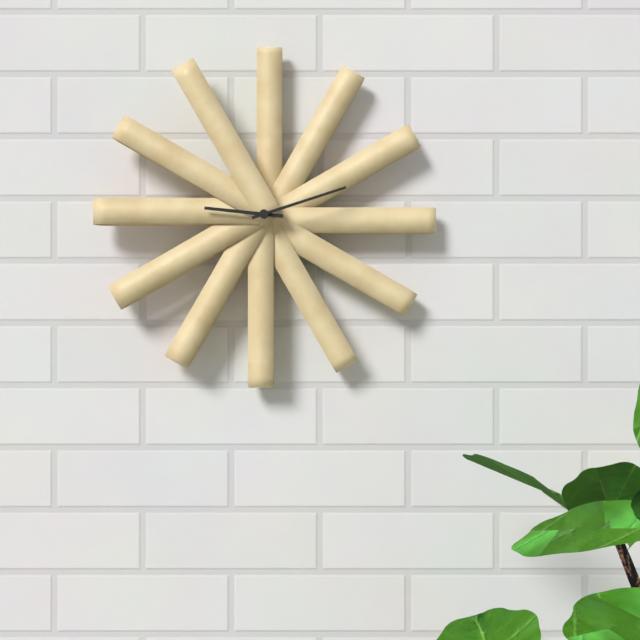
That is 9,12
